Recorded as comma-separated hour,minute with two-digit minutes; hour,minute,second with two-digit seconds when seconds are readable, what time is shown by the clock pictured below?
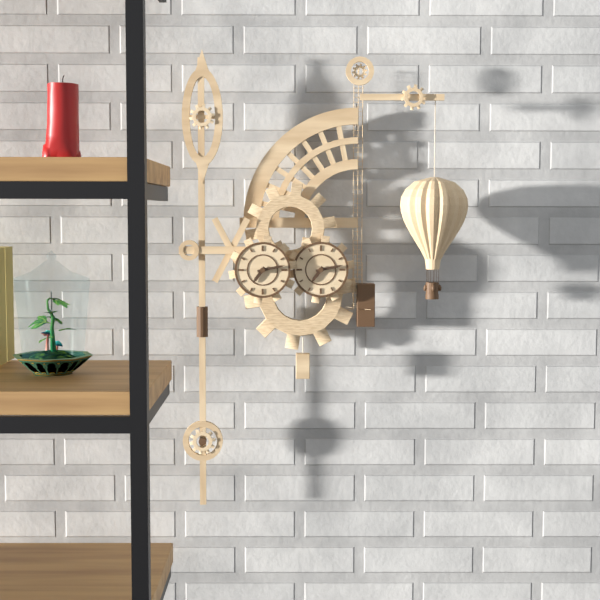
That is 7,13
